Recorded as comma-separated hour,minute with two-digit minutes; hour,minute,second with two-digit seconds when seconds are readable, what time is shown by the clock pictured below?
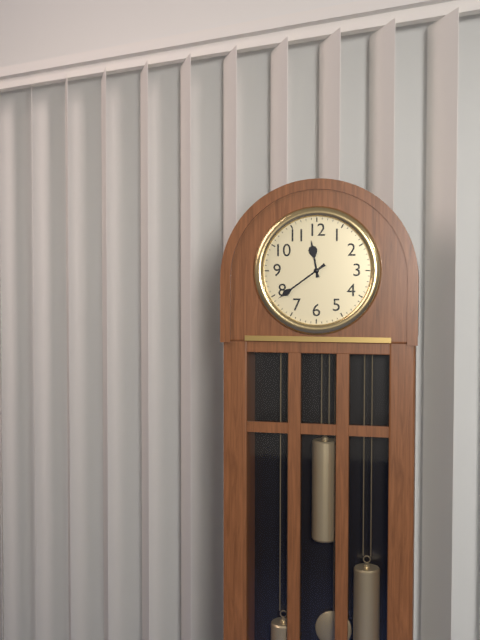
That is 11,39
